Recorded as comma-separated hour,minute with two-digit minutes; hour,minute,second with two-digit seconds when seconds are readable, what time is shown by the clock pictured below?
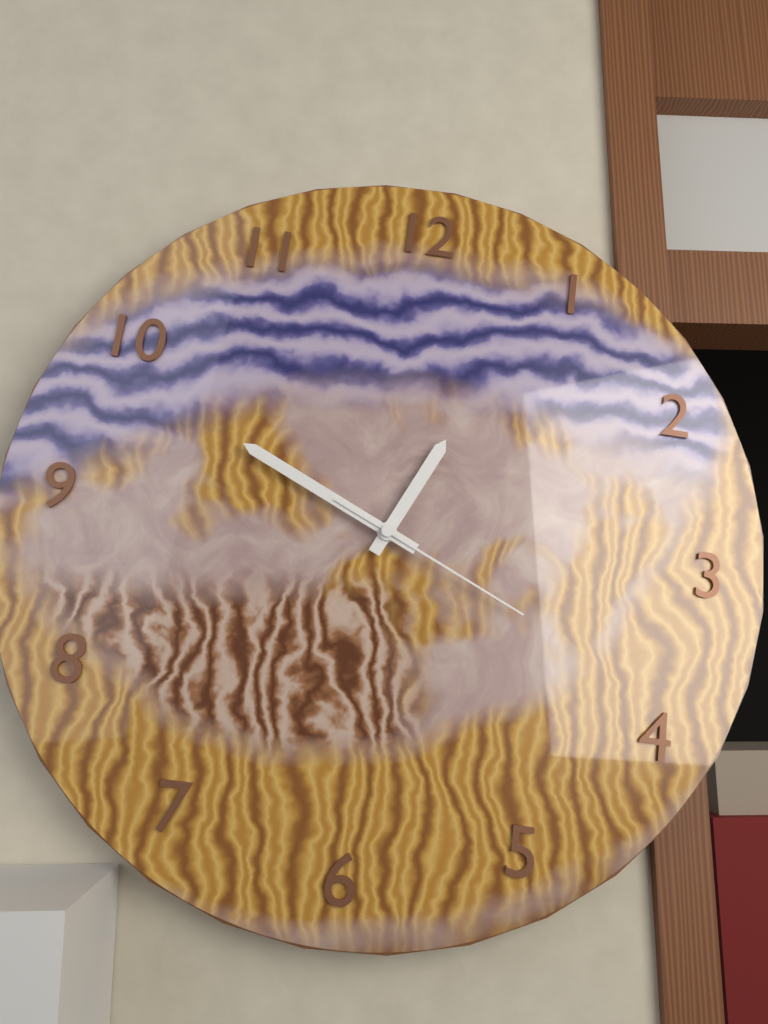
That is 12,49,19
